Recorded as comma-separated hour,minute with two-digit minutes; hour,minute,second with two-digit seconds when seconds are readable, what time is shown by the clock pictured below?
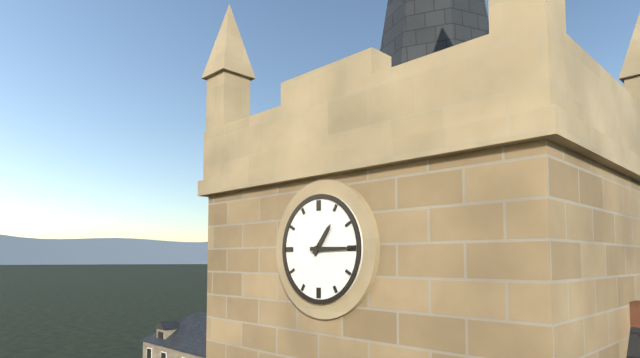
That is 1,15
